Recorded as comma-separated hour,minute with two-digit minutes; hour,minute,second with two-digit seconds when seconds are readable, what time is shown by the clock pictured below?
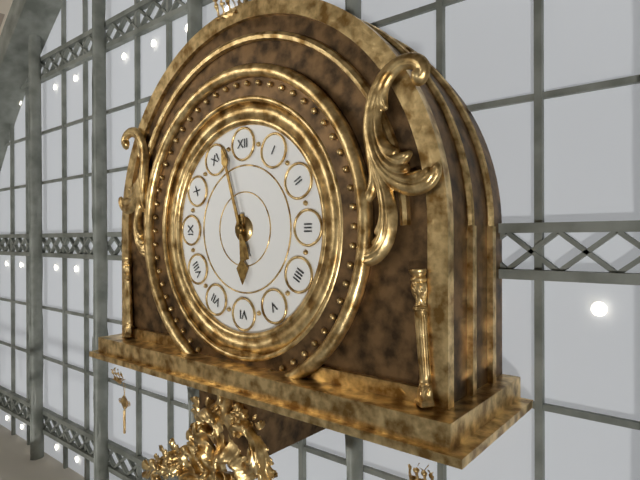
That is 5,57
